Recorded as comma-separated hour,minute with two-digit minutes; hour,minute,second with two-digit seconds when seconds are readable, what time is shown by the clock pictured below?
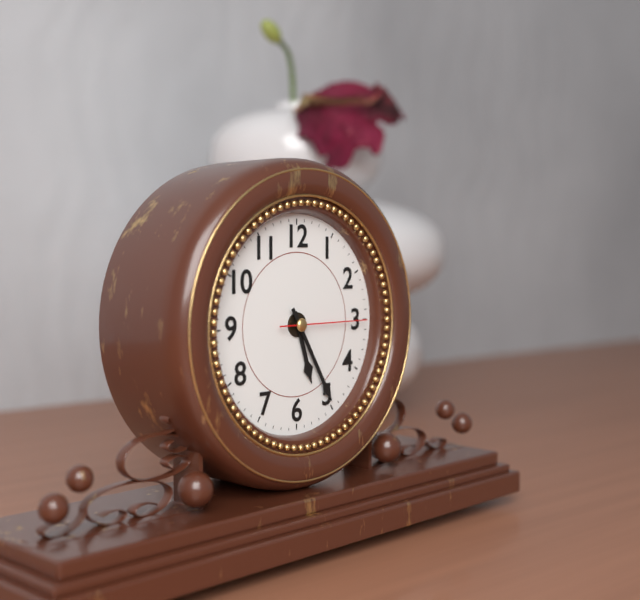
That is 5,25,15
